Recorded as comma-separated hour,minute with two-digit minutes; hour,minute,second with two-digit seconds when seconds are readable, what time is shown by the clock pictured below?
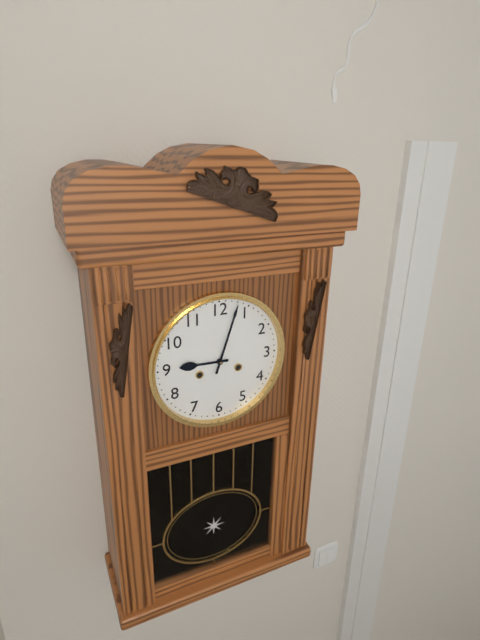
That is 9,03
